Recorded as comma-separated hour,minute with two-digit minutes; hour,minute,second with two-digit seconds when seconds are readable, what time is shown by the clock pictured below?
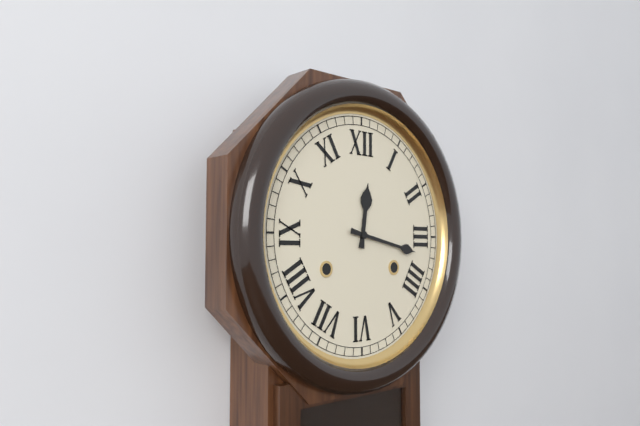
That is 12,17
